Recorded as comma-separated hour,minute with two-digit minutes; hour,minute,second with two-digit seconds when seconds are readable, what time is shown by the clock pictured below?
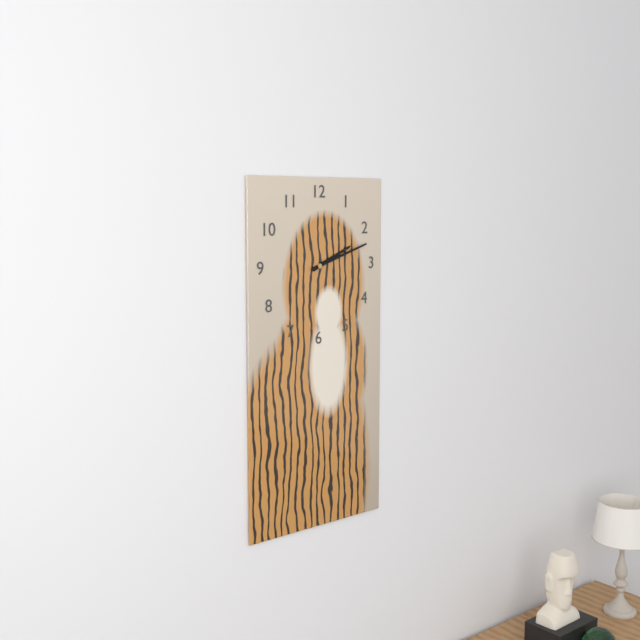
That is 2,12
